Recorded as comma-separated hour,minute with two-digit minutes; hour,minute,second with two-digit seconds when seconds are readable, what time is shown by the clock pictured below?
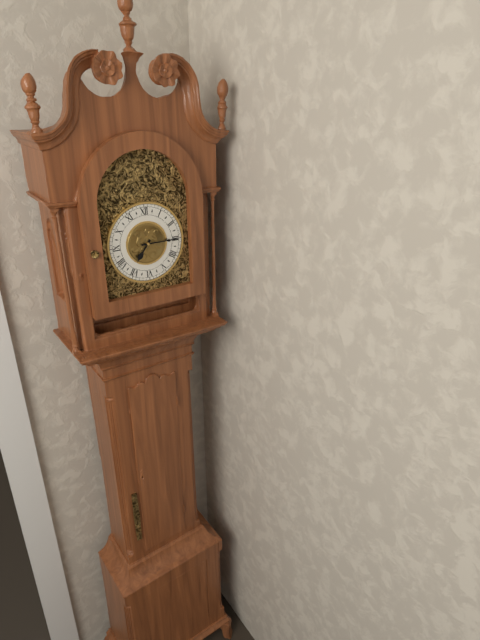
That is 7,15
